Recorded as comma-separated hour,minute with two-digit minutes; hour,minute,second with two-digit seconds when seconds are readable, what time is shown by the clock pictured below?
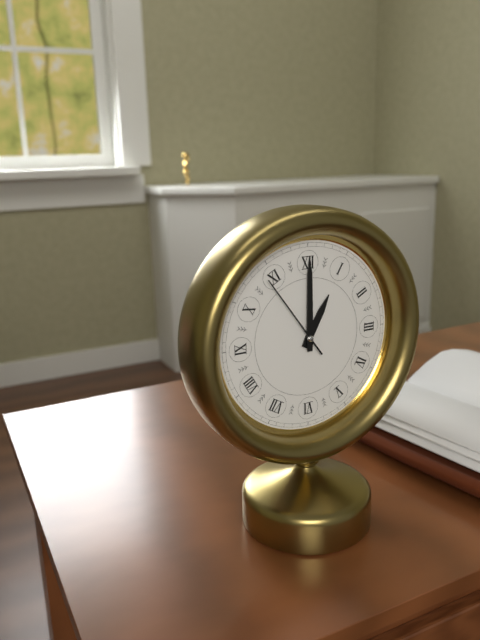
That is 1,00,54
